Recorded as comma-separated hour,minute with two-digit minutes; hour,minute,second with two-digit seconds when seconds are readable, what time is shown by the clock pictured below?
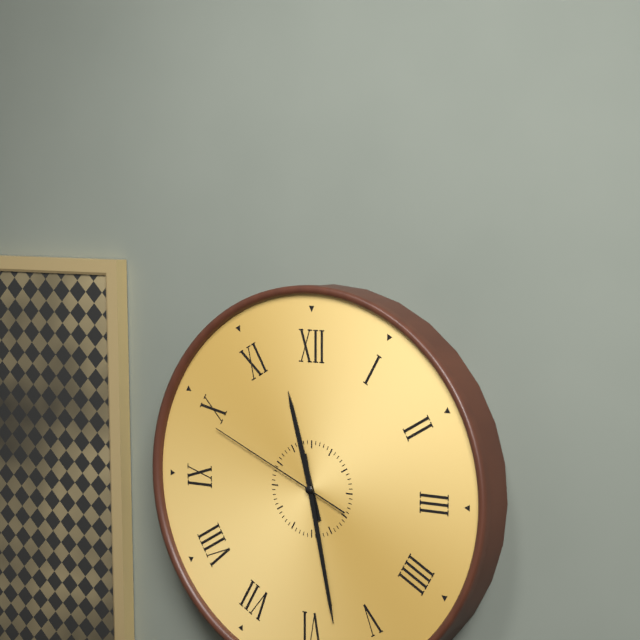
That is 11,28,49
